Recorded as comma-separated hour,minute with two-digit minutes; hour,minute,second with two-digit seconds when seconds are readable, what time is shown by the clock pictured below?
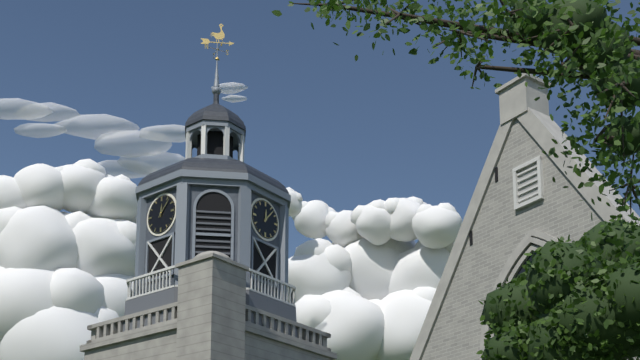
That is 12,07
